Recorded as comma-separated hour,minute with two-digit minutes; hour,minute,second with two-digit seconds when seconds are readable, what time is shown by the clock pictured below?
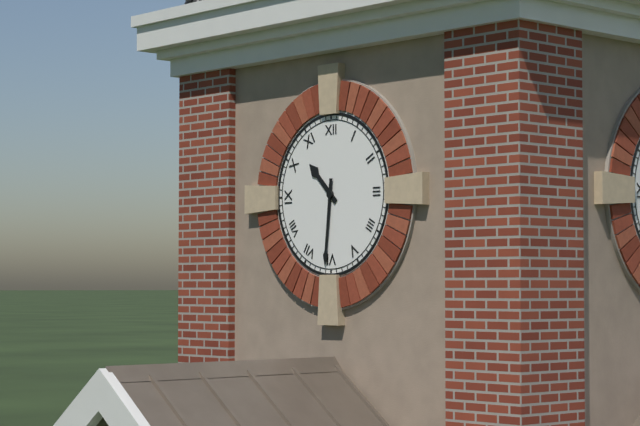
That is 10,31
